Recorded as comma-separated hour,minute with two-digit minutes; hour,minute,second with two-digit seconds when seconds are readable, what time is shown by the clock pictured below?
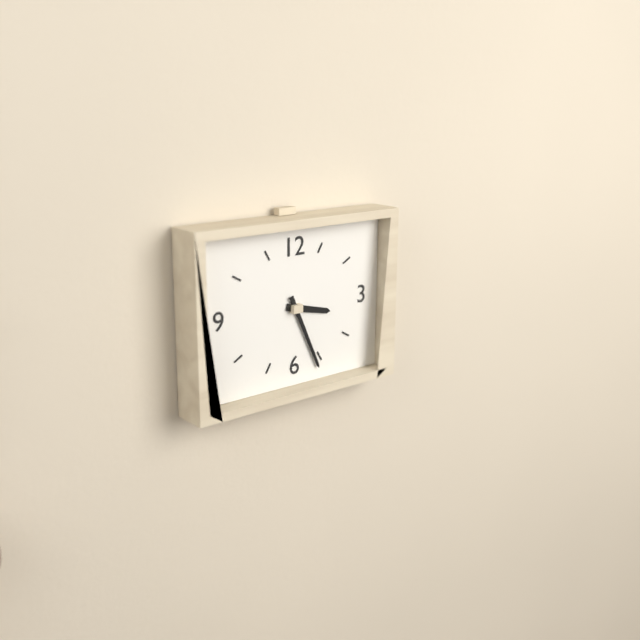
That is 3,26
